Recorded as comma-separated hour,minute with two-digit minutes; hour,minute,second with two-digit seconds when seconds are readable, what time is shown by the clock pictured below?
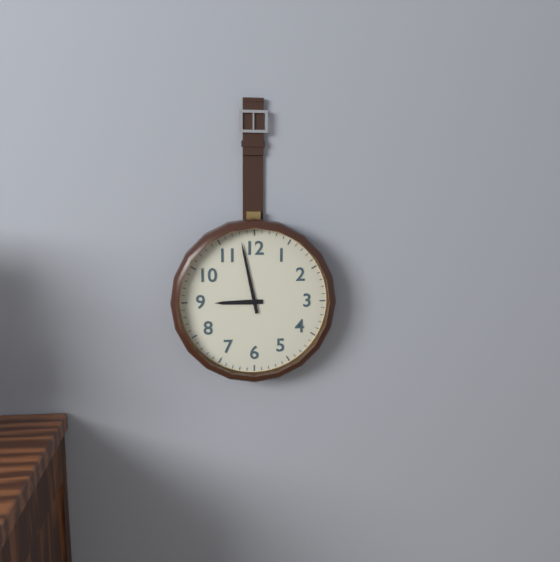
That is 8,58
